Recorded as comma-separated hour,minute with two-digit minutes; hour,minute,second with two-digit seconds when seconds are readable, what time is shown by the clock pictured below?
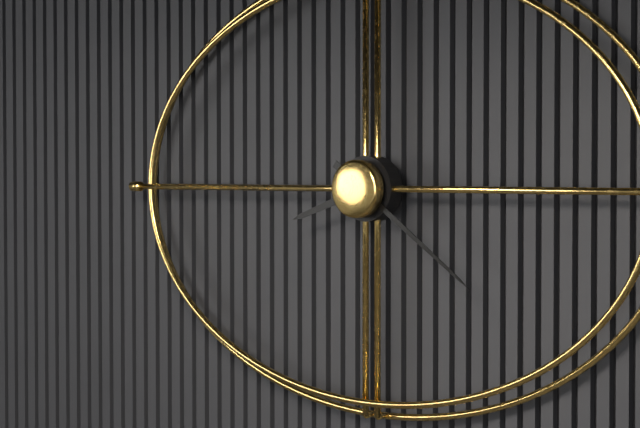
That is 8,21
